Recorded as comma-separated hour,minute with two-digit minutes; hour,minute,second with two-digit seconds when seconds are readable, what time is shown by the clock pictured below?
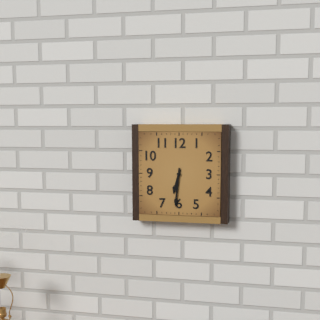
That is 6,31
